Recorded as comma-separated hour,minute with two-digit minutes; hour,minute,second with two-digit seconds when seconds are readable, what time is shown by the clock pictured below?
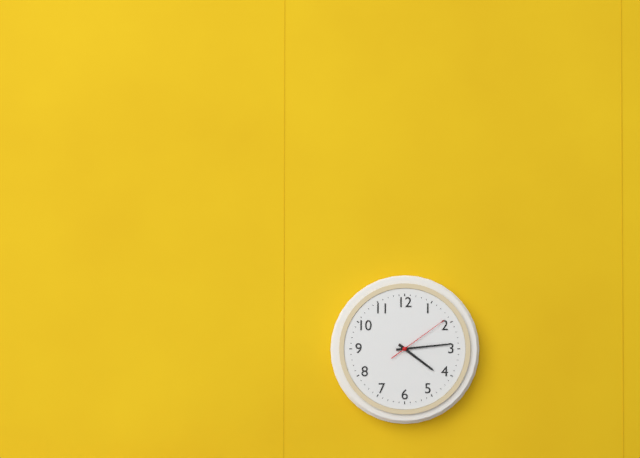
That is 4,14,09
